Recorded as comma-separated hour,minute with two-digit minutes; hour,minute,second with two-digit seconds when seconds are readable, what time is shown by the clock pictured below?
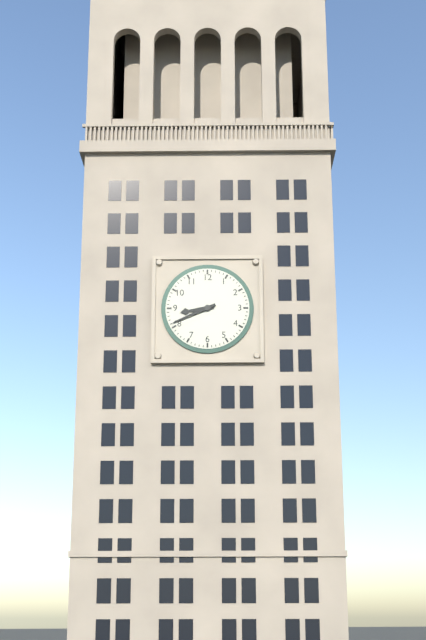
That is 8,41
